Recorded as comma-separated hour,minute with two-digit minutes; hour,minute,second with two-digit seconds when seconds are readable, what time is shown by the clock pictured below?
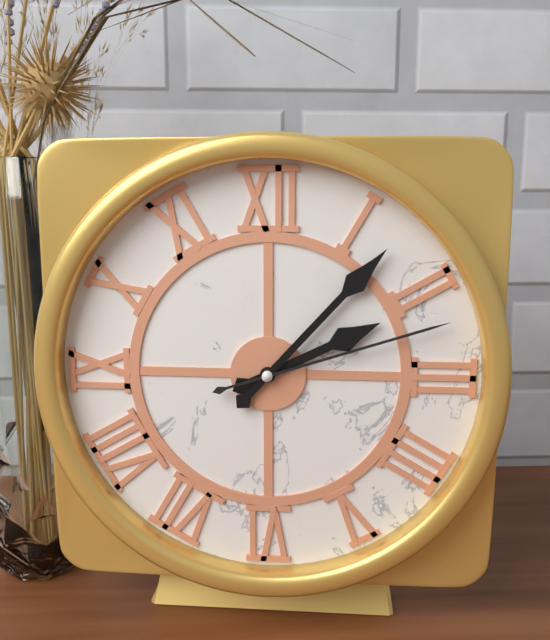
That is 2,07,12
